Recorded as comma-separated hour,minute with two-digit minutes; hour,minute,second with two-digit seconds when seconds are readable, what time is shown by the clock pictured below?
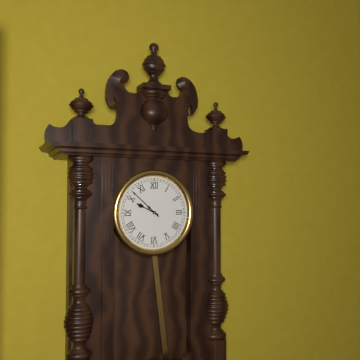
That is 9,52
